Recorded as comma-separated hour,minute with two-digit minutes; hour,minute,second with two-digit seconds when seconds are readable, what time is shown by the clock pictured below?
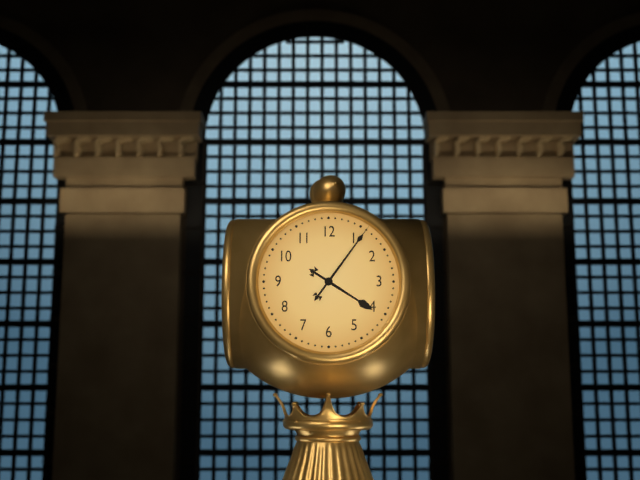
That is 4,06
